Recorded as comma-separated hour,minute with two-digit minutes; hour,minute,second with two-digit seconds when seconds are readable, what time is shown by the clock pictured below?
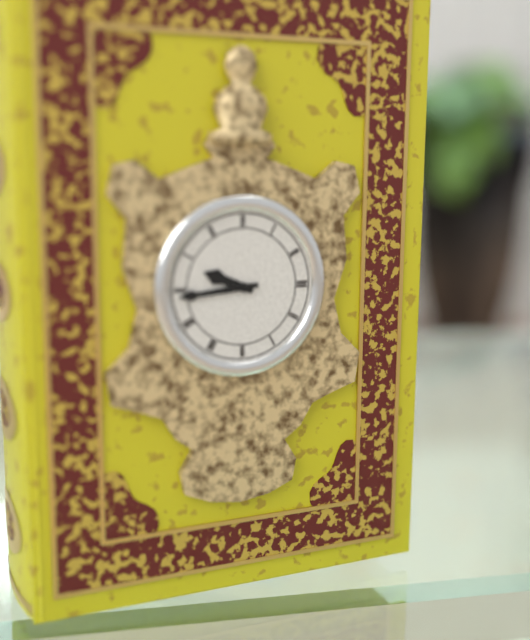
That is 9,44
